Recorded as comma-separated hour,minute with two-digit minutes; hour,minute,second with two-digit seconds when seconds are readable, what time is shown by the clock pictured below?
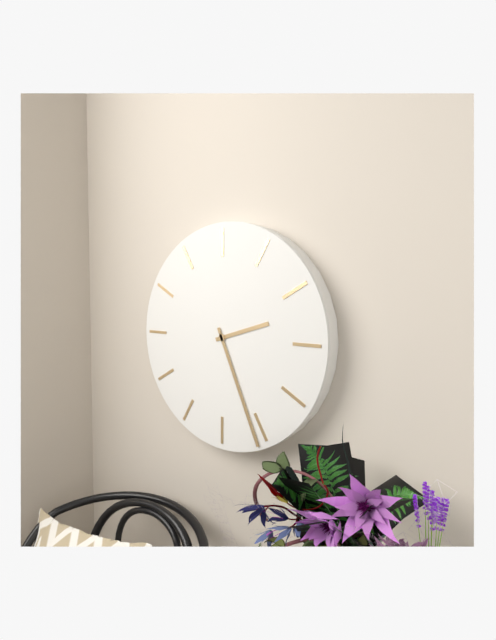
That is 2,26
